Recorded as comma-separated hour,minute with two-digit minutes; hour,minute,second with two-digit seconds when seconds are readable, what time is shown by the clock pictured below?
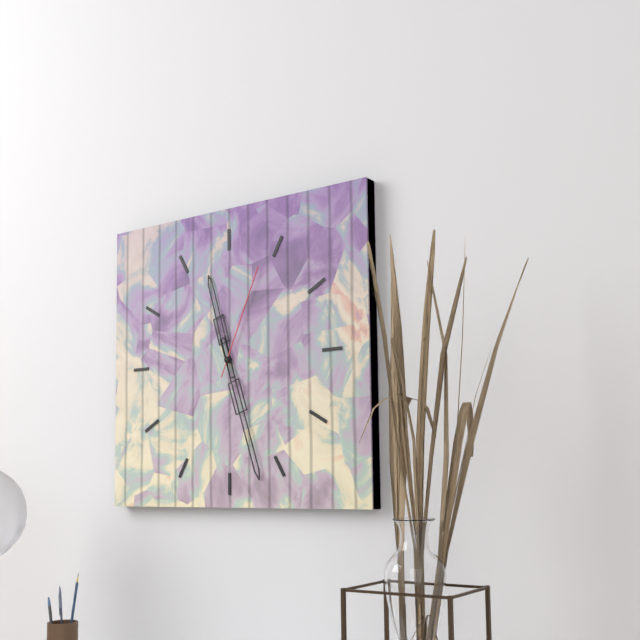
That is 11,27,04
